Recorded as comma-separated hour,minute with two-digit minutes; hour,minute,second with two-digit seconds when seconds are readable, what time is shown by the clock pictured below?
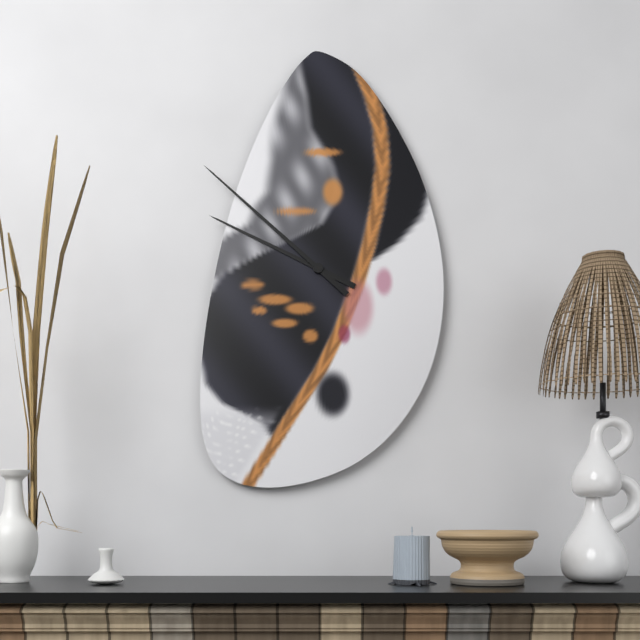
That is 9,52
